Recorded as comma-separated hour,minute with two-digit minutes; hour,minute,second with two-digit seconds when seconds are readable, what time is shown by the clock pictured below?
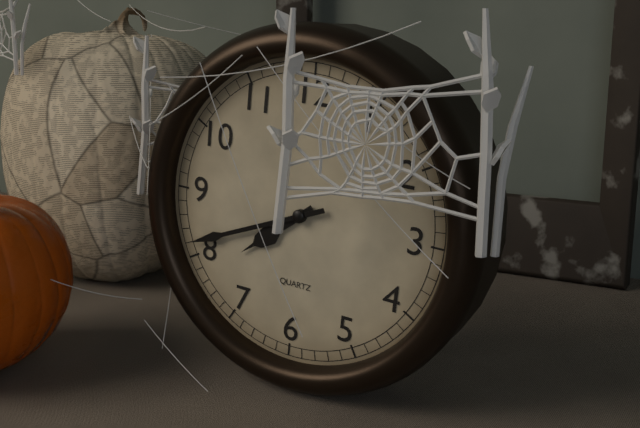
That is 7,41
